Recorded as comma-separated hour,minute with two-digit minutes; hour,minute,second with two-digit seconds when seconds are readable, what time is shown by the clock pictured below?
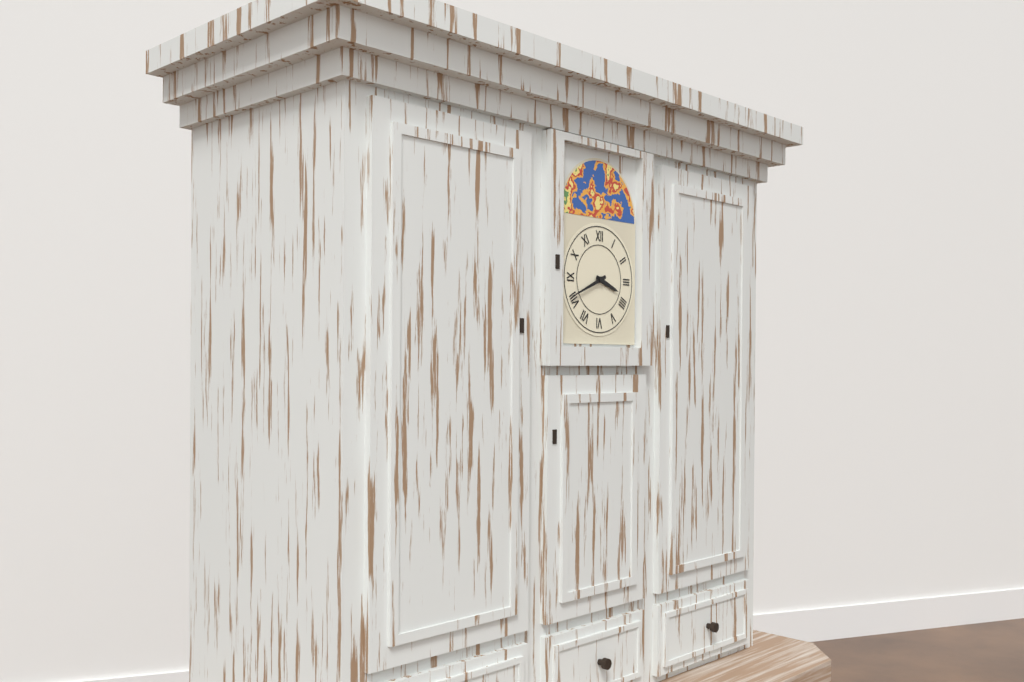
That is 3,41
